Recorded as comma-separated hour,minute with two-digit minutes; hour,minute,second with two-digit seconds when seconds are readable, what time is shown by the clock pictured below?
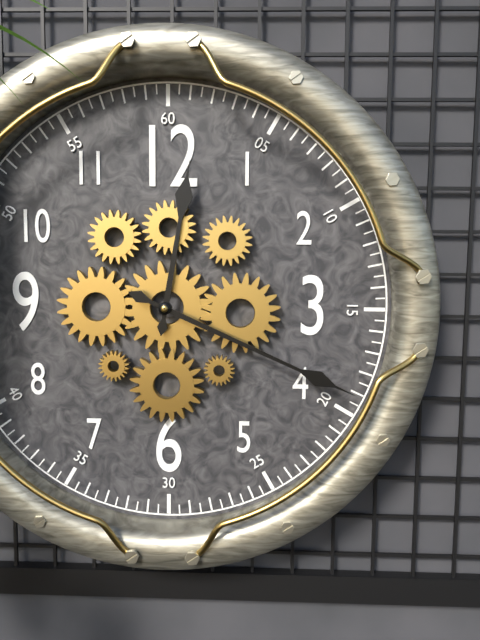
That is 12,19
